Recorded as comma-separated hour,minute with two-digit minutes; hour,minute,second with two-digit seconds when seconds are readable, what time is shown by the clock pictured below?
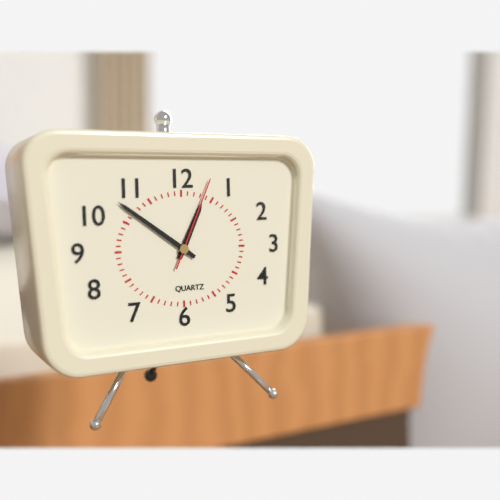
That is 12,51,04
